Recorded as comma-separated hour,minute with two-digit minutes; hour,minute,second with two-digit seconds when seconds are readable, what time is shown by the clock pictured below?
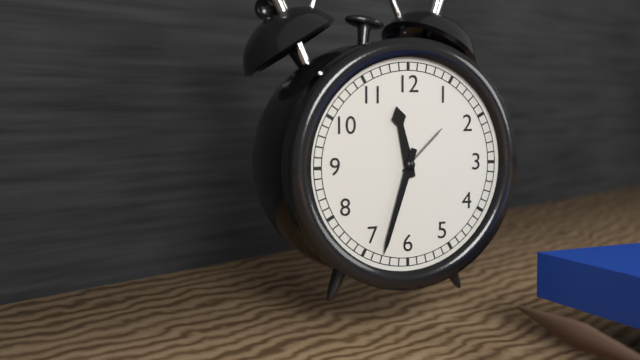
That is 11,33
